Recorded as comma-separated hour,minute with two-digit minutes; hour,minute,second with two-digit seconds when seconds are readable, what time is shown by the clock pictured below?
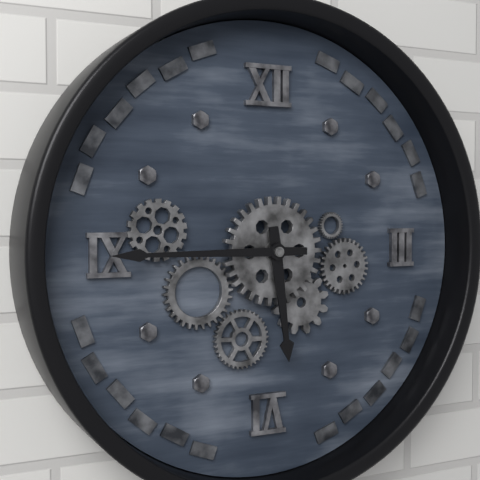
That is 5,45
